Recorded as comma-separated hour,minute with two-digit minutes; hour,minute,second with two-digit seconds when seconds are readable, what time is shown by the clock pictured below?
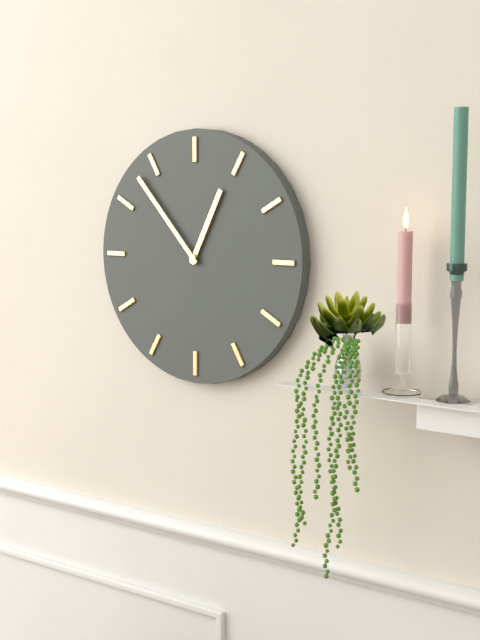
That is 12,53
